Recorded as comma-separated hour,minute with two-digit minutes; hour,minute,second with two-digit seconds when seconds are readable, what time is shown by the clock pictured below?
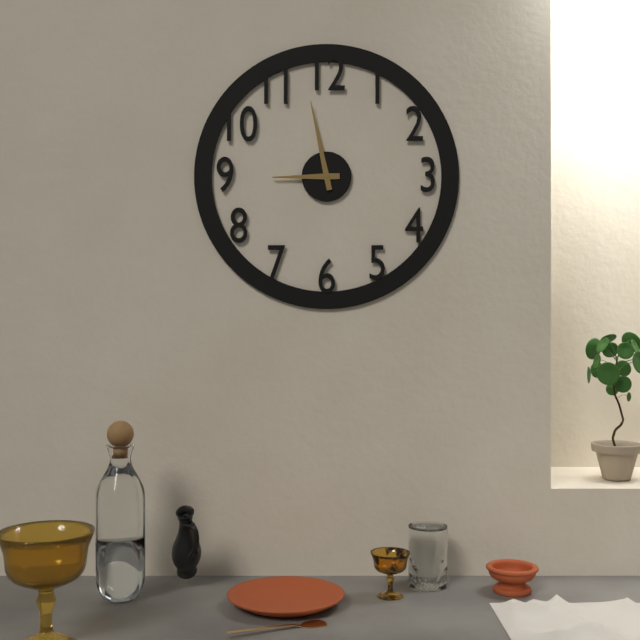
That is 8,58
